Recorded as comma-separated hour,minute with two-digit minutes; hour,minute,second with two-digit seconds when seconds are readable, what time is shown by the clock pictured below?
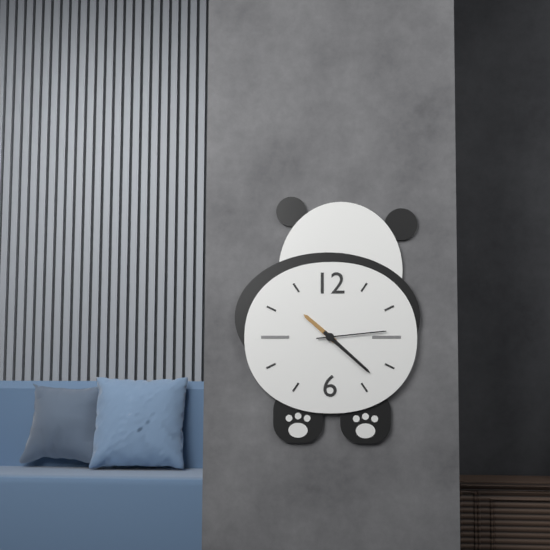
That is 10,22,14
